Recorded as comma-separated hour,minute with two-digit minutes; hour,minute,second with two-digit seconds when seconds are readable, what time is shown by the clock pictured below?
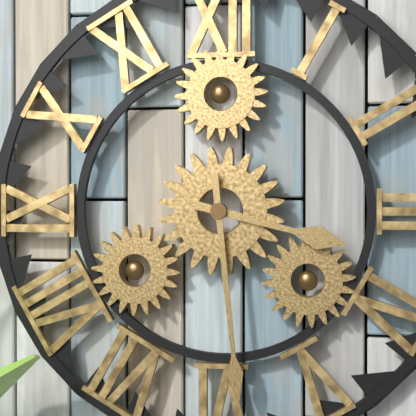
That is 3,29
